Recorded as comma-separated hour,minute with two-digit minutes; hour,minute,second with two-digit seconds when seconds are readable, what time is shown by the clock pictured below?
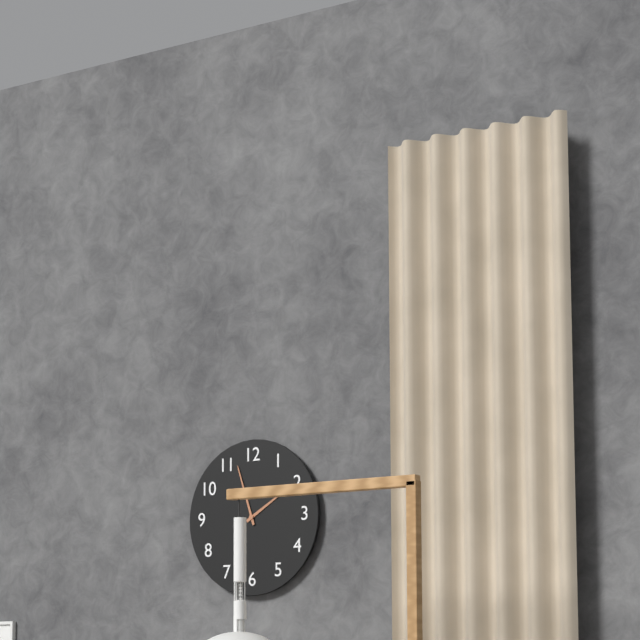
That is 1,57
